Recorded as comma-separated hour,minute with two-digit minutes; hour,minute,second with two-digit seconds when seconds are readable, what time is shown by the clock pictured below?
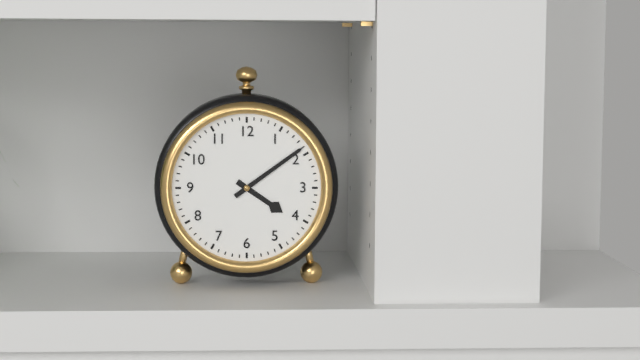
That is 4,09
